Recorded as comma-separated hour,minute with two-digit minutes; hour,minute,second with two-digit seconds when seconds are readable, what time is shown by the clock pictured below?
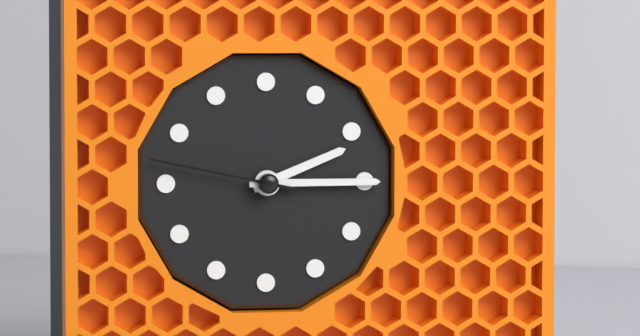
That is 2,15,47
